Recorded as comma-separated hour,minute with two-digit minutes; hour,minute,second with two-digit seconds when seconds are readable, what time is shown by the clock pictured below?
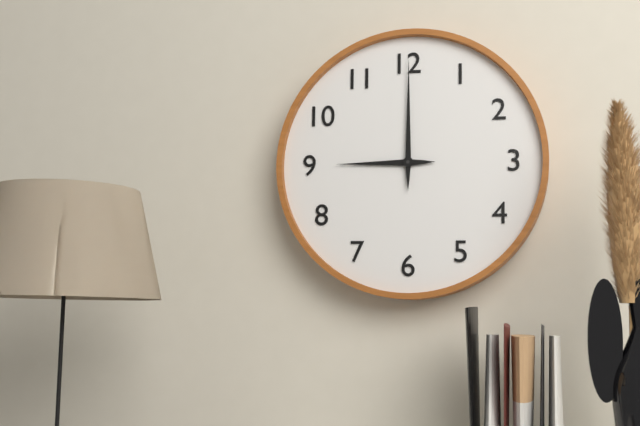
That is 9,00
